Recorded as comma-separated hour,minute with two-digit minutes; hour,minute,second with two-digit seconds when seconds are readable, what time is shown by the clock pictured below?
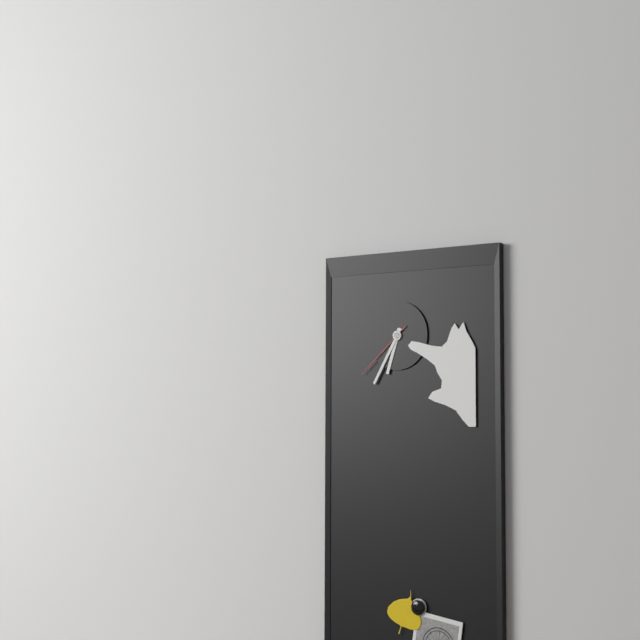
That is 6,35,38
